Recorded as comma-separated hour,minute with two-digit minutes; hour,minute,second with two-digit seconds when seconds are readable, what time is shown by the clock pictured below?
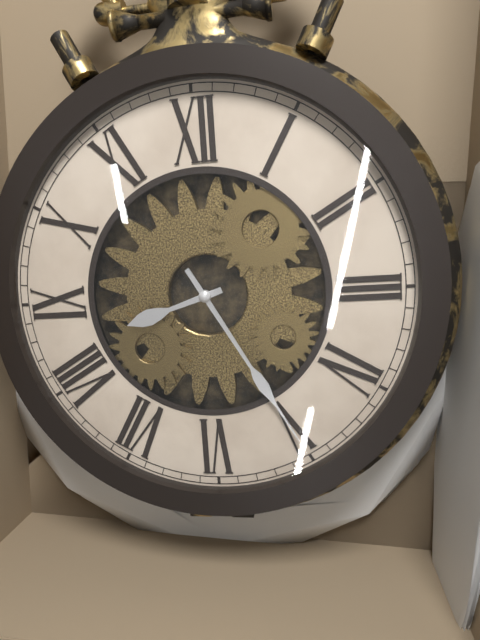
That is 8,25
